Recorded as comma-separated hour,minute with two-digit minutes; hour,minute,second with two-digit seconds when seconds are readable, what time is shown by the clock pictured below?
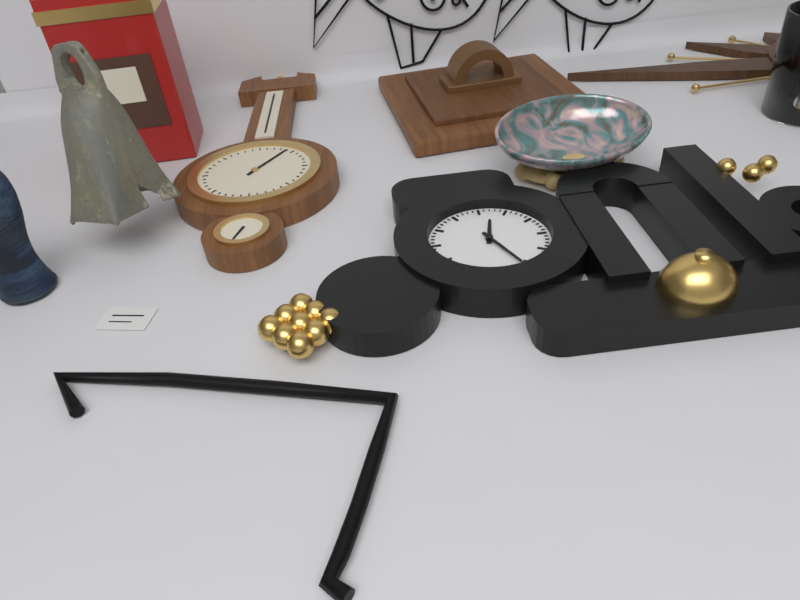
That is 12,26
